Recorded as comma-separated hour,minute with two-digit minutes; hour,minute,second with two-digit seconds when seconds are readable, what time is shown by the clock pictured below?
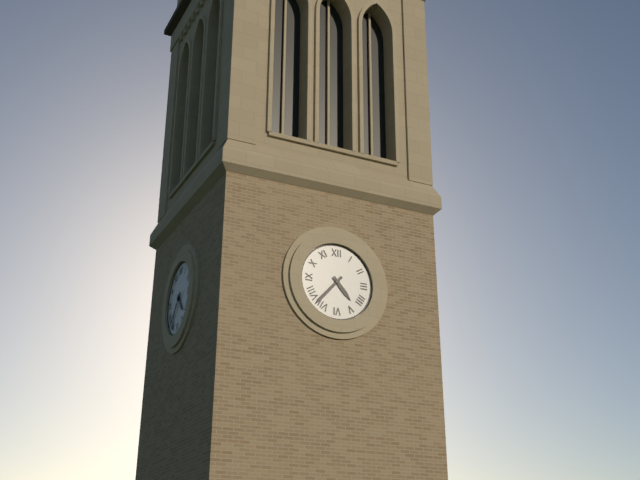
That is 4,37
